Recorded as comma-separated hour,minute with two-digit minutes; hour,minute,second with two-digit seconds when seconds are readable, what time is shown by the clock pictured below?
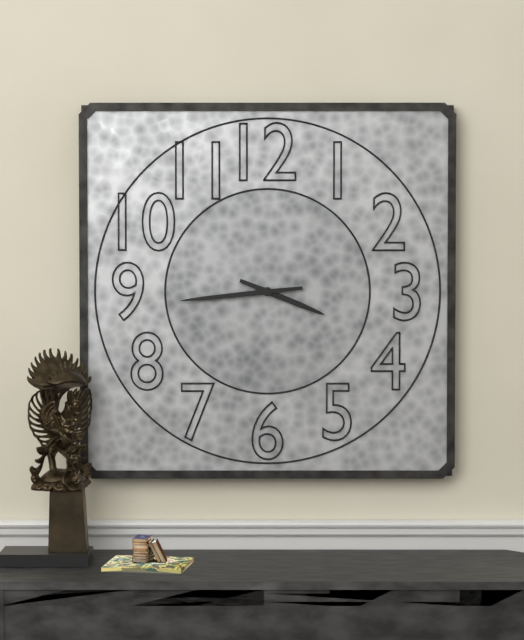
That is 3,44
